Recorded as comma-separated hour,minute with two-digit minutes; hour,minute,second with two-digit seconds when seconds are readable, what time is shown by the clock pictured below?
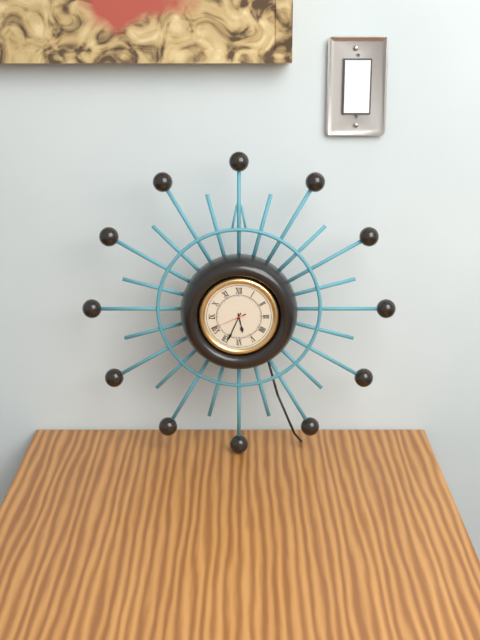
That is 5,34
